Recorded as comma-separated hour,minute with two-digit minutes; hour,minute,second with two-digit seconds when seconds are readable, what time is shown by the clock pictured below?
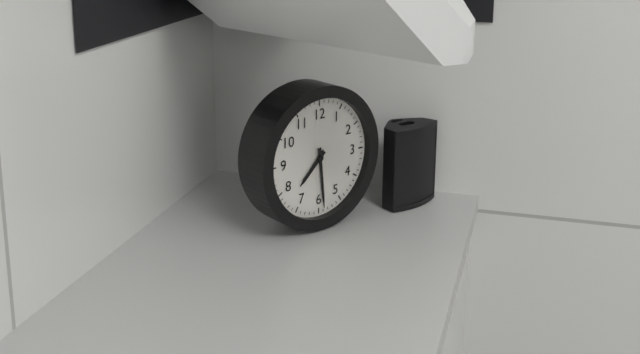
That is 7,29
